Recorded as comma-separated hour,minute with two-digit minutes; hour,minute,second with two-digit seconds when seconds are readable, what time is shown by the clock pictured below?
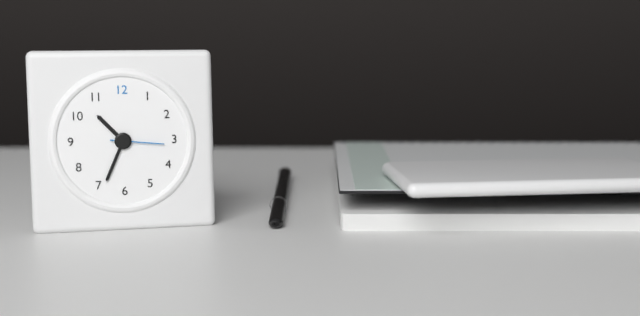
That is 10,34,16
